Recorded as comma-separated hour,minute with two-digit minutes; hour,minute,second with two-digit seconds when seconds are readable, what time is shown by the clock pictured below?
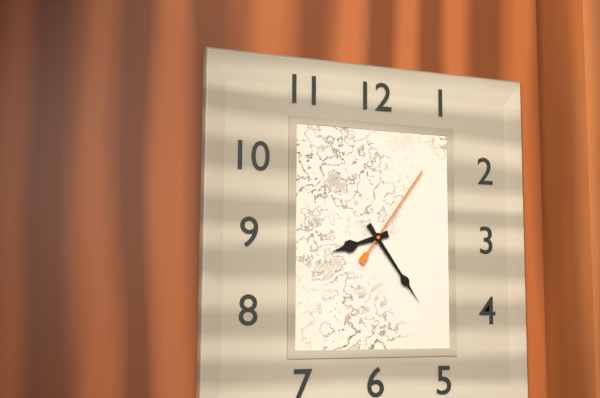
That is 8,24,06
